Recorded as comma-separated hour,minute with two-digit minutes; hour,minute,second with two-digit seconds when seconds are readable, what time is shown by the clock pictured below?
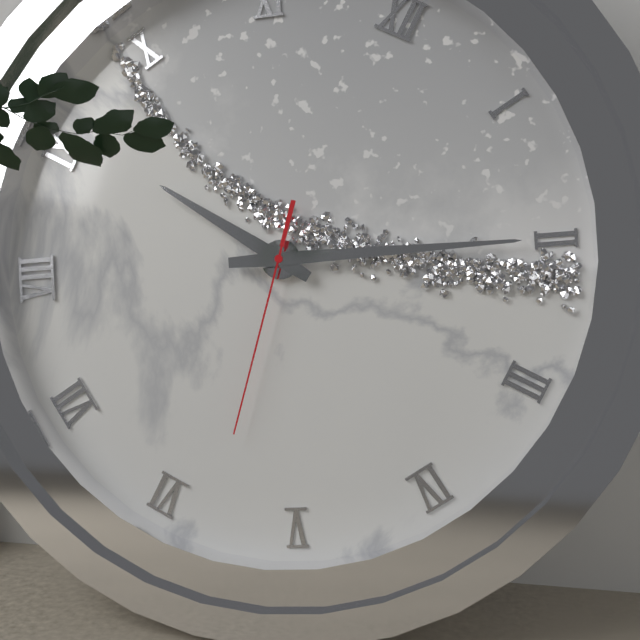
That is 9,10,28
